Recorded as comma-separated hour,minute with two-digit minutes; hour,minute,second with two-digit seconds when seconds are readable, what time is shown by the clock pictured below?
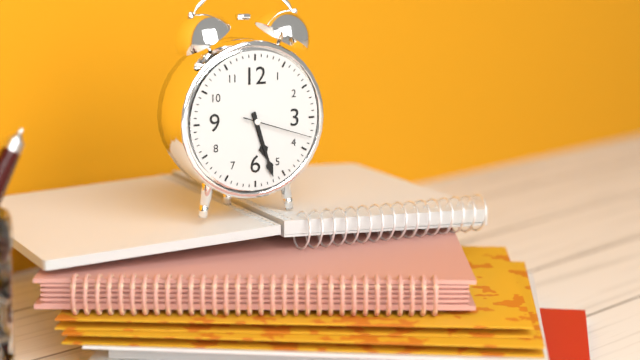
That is 5,27,18
